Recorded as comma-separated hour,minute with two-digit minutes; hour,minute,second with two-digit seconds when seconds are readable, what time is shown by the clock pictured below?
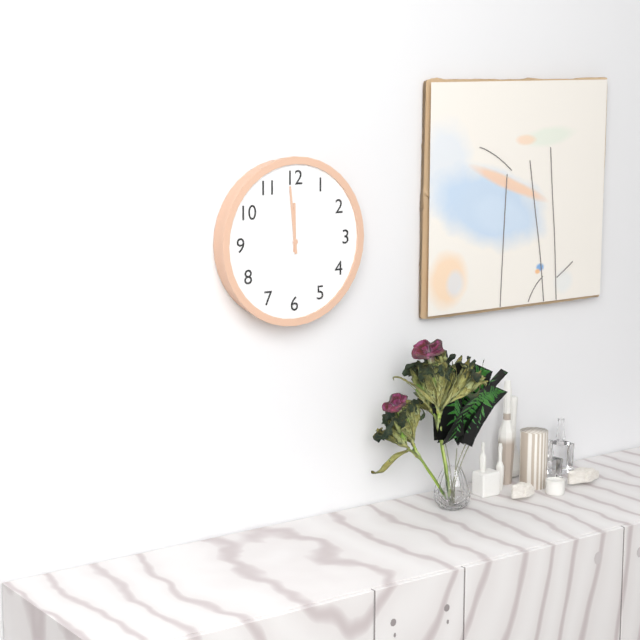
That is 11,59
